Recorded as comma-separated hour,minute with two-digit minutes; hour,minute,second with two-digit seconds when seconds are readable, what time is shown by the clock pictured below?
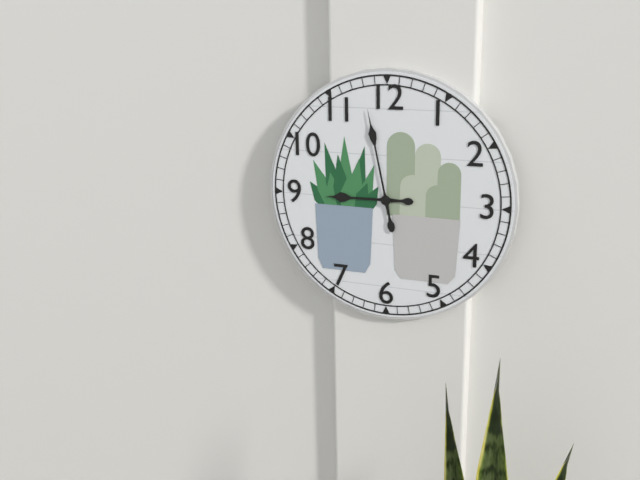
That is 8,58
